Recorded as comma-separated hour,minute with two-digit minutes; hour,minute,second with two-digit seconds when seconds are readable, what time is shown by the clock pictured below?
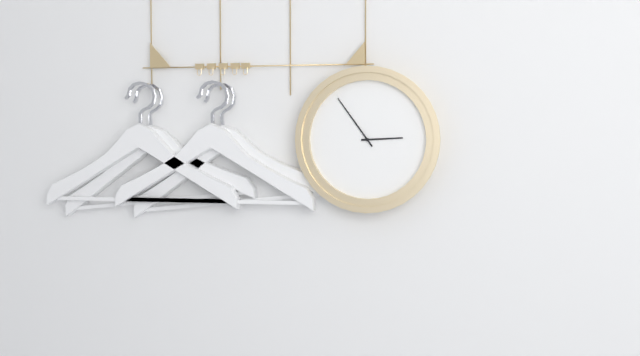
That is 2,54
